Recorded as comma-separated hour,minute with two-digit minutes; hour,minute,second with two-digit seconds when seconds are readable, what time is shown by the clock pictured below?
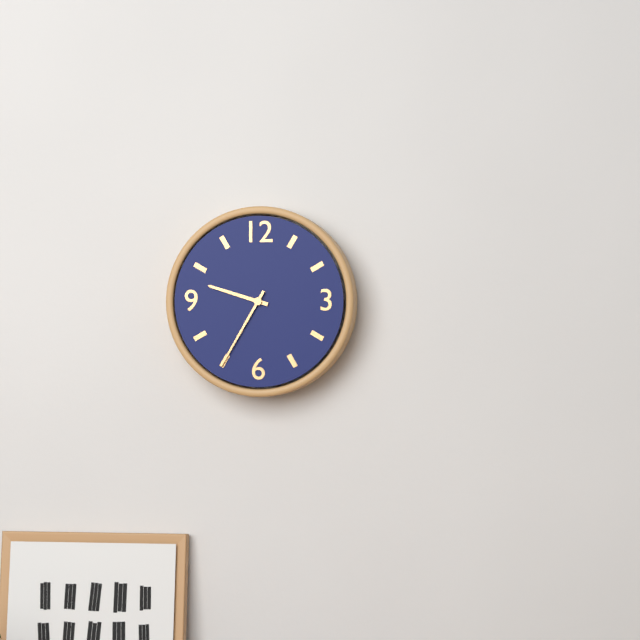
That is 9,35
